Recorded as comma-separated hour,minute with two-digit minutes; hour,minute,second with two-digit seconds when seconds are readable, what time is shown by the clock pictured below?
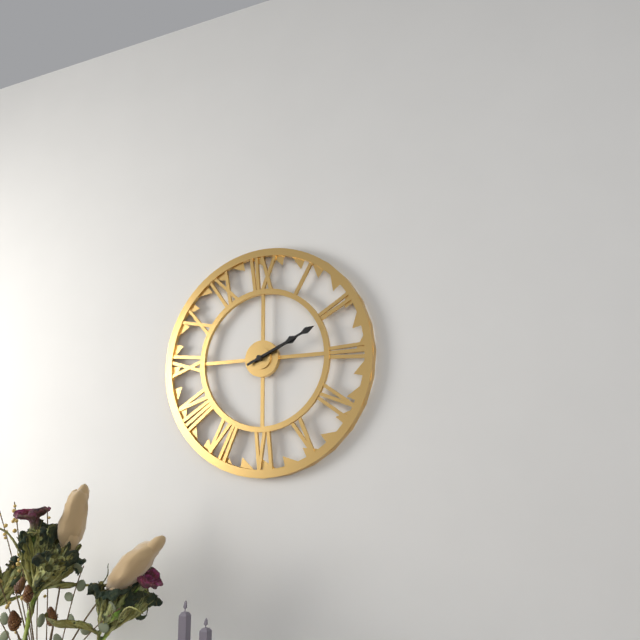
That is 2,11
